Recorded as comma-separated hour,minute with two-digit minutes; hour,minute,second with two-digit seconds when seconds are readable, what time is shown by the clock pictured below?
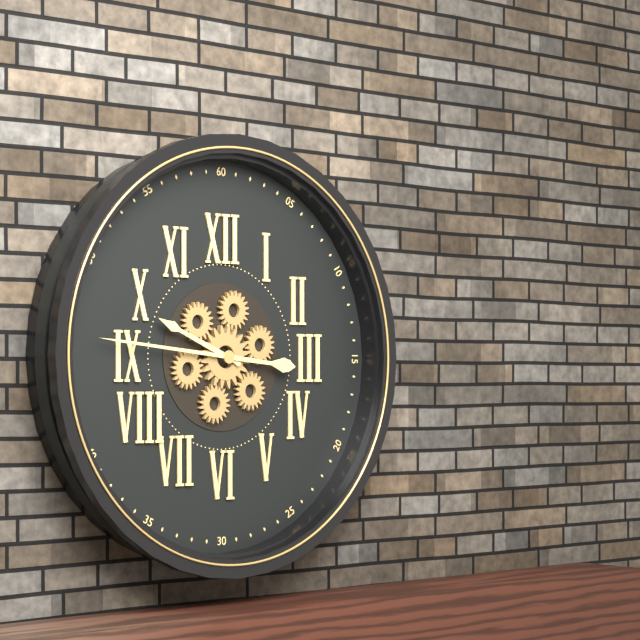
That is 9,46
